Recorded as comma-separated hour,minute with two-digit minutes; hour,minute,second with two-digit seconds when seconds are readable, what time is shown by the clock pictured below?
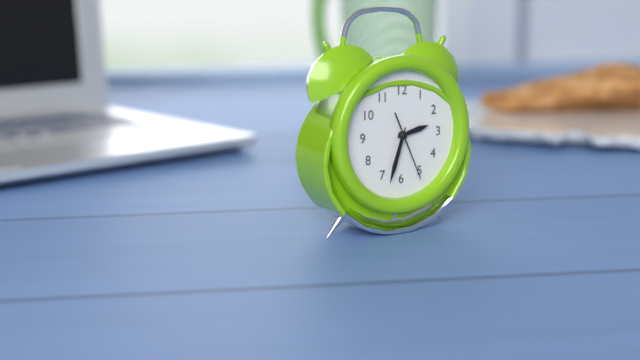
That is 2,33,26
